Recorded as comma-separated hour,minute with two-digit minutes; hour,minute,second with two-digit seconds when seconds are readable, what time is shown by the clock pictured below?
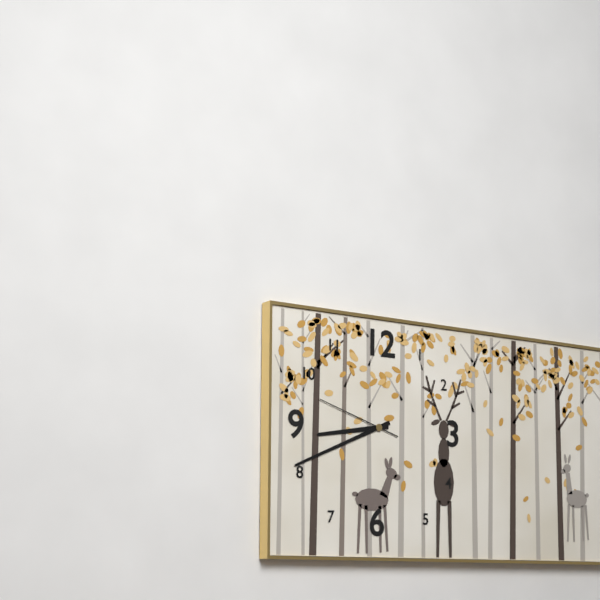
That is 8,41,48
